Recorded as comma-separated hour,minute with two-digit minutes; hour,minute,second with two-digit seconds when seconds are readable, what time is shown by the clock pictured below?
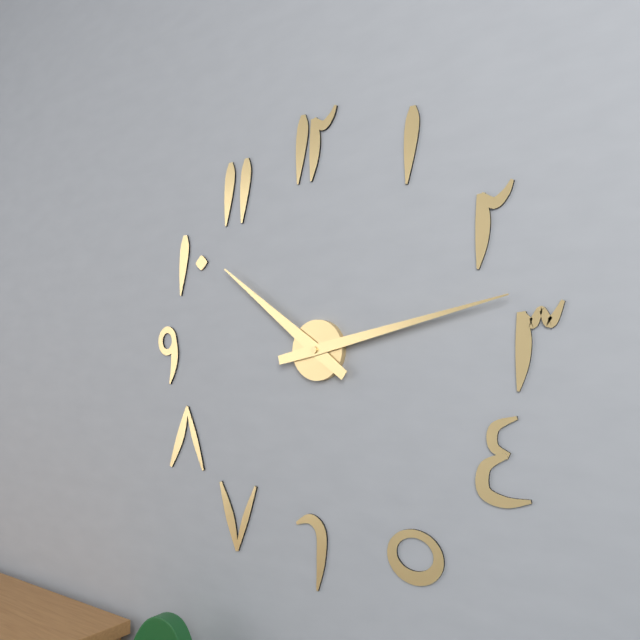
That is 10,13
